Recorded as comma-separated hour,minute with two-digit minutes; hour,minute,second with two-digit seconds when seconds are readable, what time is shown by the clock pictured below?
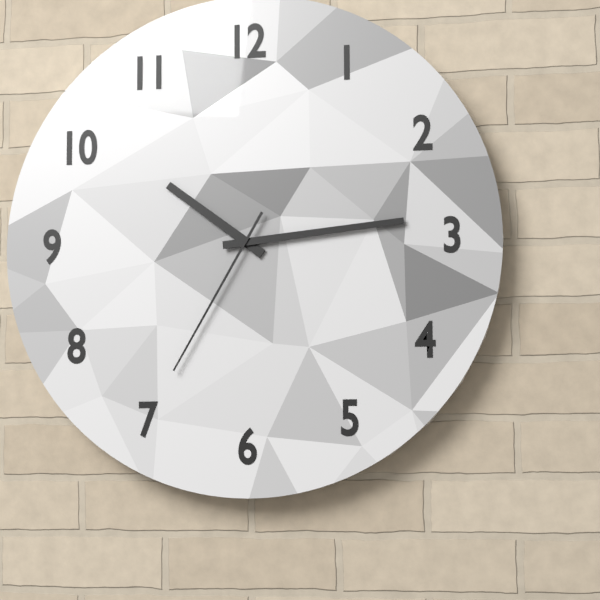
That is 10,14,35
